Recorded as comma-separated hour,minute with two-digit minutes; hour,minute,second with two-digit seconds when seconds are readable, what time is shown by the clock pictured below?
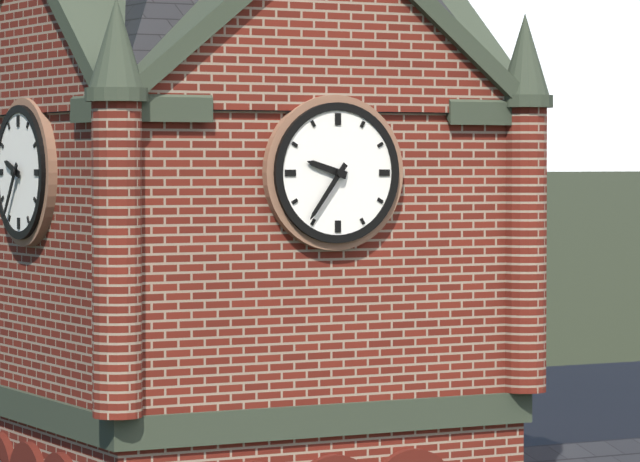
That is 9,36
